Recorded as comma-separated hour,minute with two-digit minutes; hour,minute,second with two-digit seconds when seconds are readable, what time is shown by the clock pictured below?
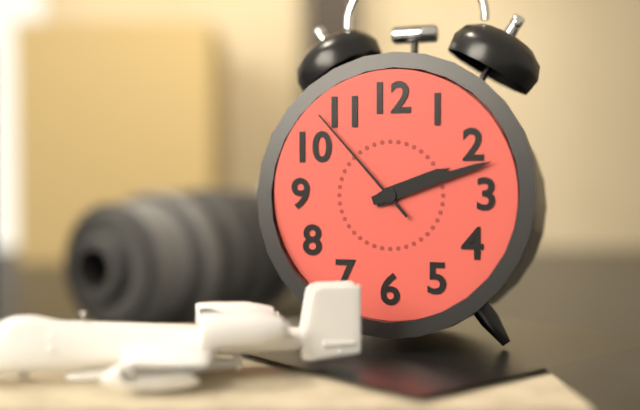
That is 2,12,53
